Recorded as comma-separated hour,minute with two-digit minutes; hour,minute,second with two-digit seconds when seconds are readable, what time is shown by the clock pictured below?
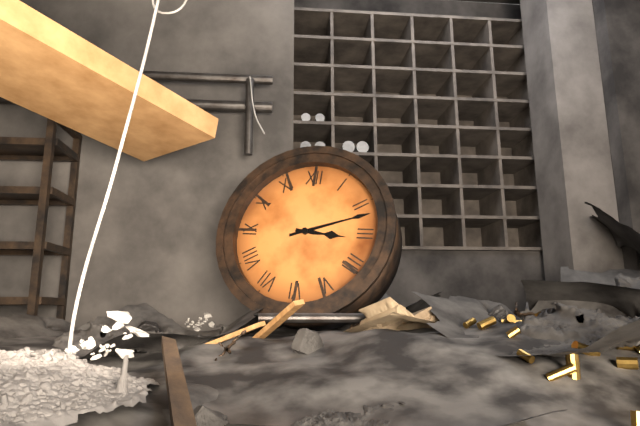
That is 3,12
